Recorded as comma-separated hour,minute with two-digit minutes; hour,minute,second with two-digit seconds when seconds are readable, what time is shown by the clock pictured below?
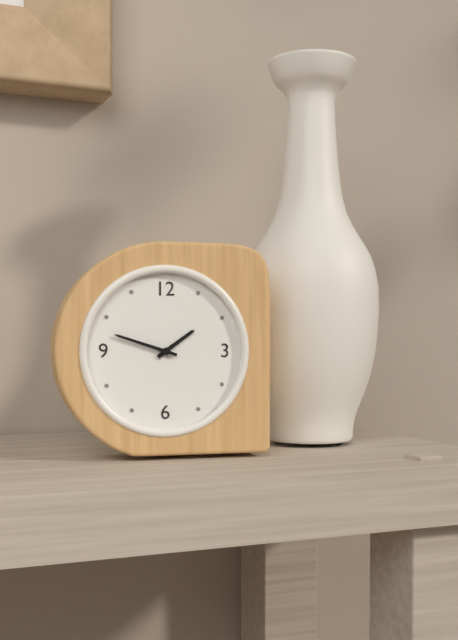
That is 1,48
